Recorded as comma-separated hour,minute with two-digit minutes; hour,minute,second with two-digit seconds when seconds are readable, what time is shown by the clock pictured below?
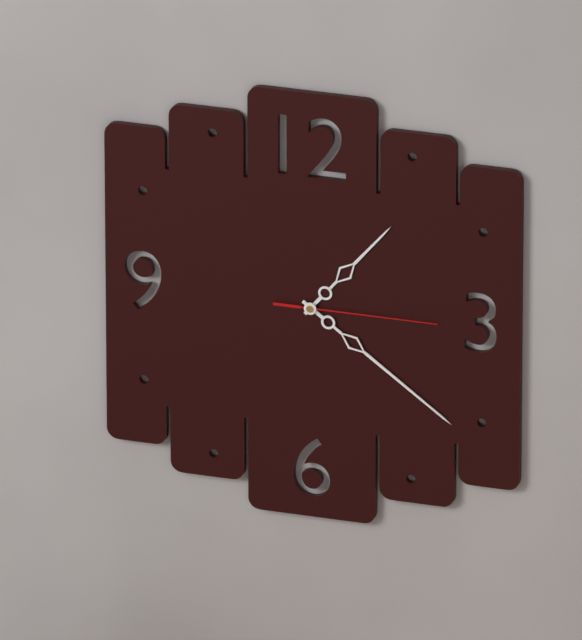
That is 1,21,15
